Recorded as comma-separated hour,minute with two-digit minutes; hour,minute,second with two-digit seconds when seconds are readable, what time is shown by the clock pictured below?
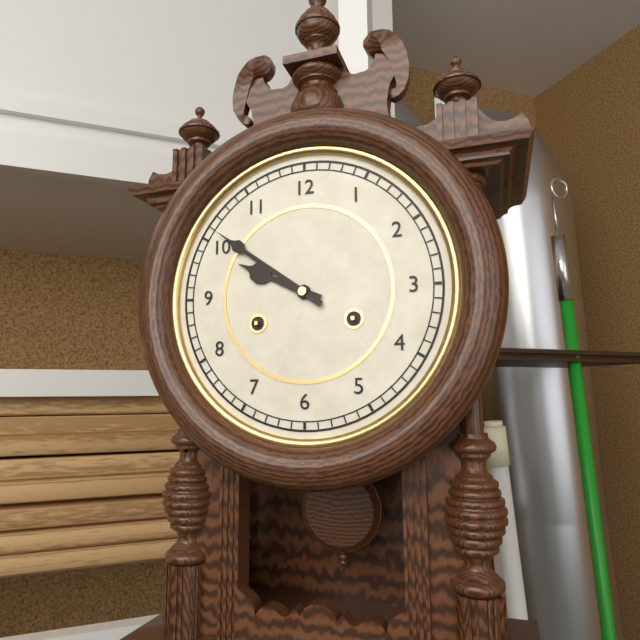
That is 9,51
